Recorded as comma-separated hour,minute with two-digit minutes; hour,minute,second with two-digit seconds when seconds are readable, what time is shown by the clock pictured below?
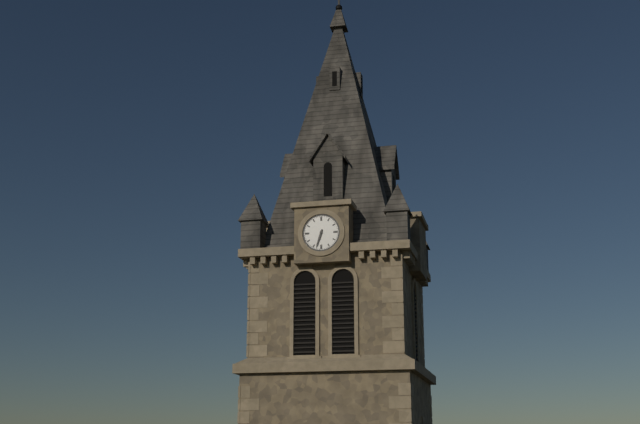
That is 6,33
